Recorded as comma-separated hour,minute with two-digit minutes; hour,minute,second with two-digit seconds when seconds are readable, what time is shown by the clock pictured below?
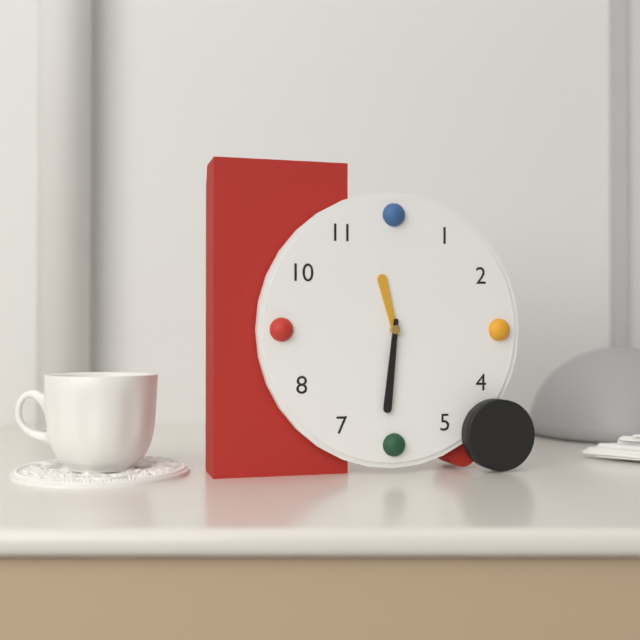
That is 11,31
